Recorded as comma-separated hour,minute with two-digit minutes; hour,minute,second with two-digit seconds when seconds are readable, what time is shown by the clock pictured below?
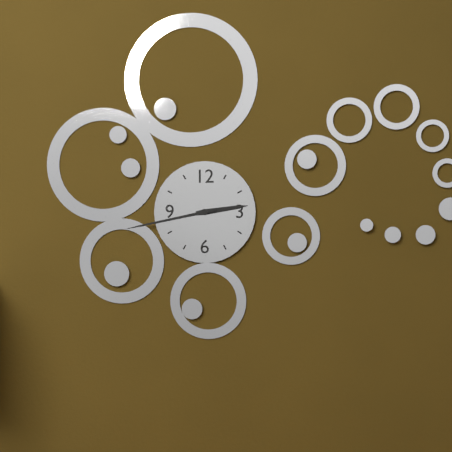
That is 2,43
